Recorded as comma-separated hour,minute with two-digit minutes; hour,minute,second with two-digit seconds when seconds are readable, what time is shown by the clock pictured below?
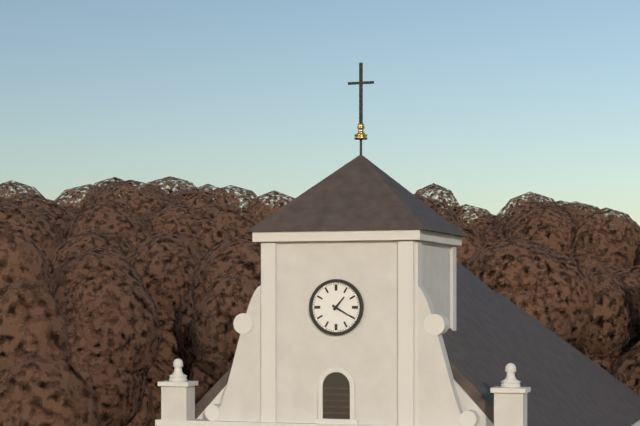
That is 1,20
